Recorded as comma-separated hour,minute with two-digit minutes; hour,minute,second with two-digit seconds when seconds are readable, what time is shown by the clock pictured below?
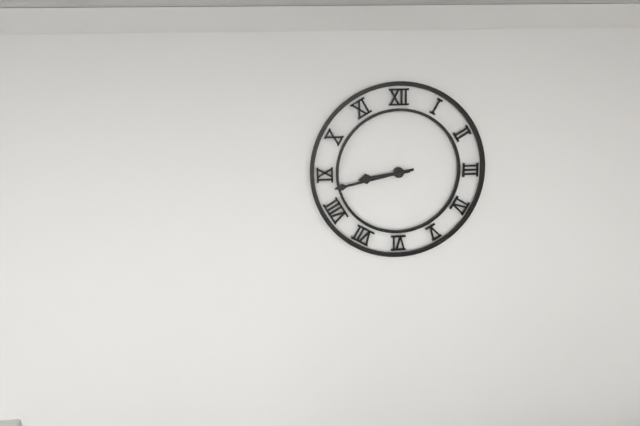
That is 8,43
